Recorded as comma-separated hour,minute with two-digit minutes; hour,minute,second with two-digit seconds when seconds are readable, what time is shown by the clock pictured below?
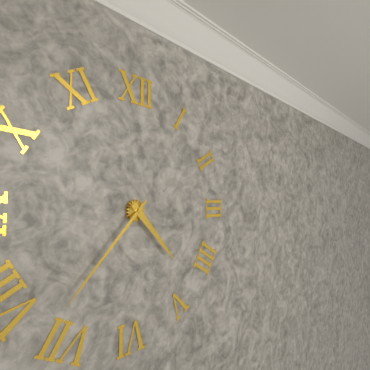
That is 4,37
